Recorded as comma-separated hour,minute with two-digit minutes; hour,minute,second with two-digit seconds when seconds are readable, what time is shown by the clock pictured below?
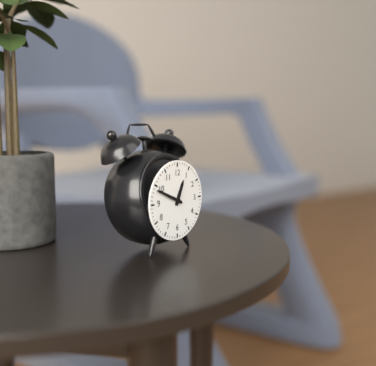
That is 12,49
